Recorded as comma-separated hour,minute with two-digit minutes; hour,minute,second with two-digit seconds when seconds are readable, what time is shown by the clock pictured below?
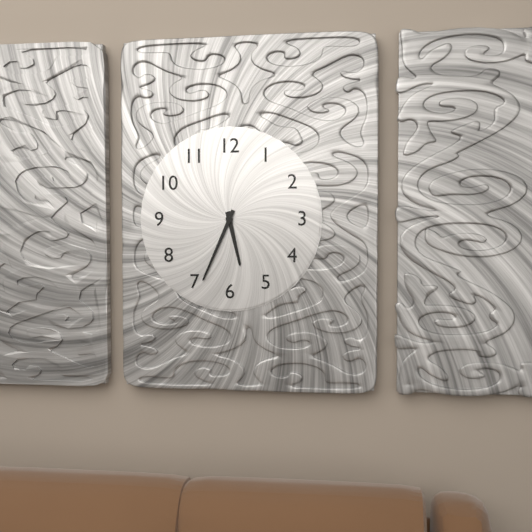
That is 5,34
